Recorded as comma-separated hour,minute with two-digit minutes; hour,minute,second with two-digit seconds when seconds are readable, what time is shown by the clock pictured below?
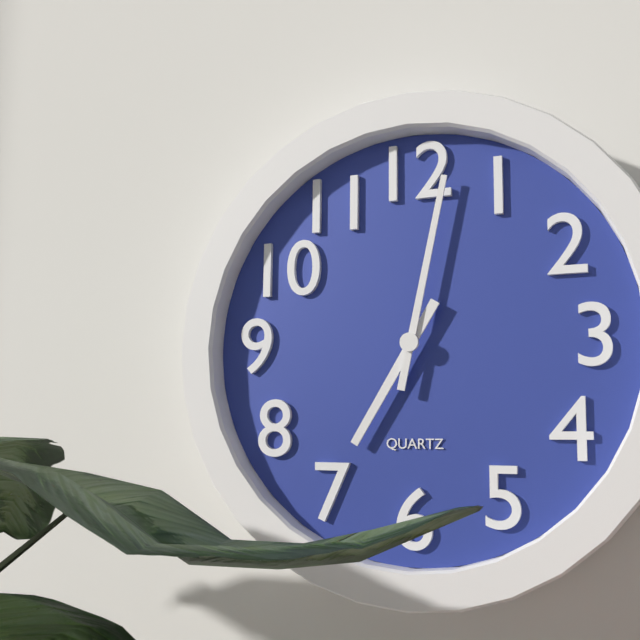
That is 7,02
